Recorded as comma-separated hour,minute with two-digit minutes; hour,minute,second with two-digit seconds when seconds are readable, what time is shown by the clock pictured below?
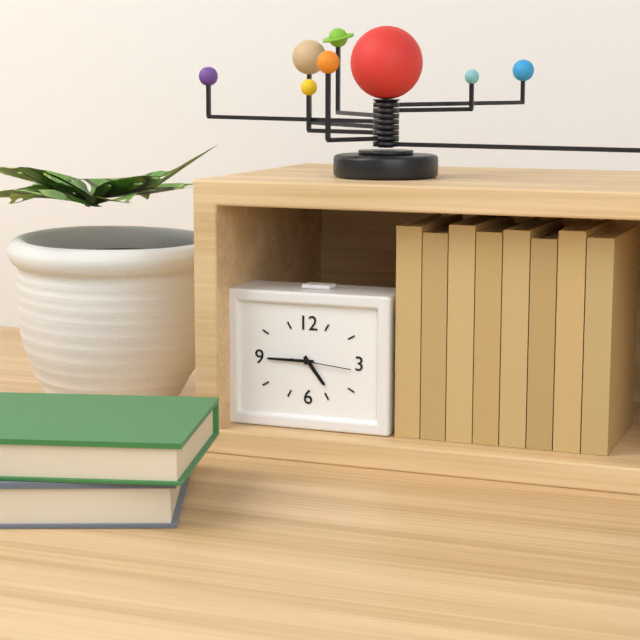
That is 4,45,16
